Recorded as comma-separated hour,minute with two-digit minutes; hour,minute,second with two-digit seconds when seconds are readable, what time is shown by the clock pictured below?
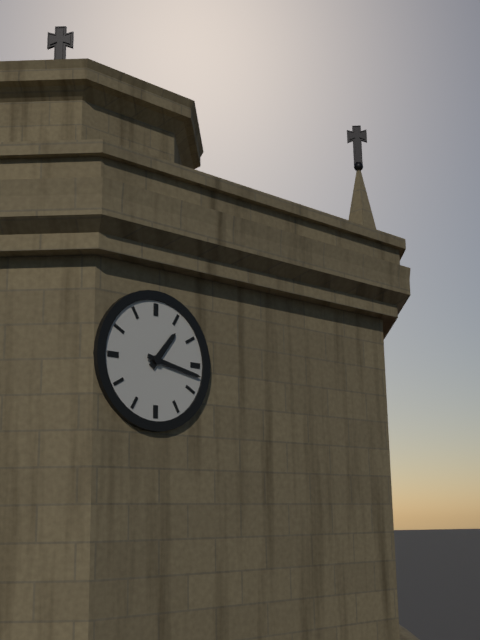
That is 1,17
